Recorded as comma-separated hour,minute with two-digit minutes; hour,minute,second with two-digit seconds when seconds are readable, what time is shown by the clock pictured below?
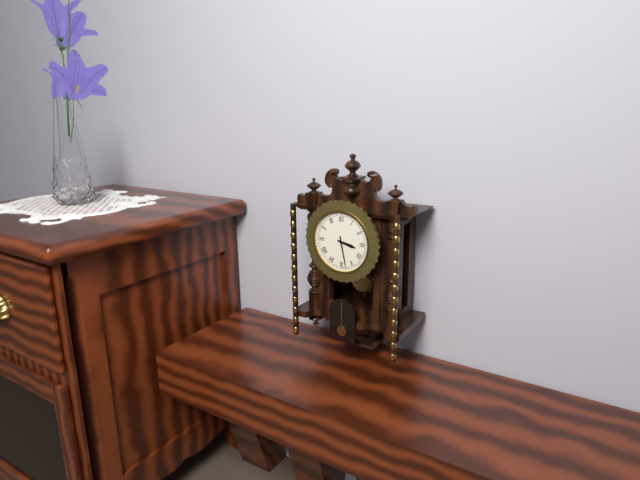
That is 3,28
